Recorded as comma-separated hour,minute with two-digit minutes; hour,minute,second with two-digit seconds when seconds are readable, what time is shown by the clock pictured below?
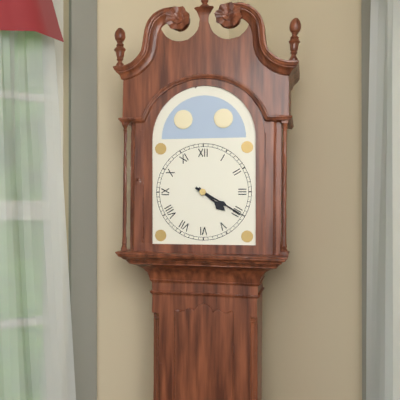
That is 4,20
